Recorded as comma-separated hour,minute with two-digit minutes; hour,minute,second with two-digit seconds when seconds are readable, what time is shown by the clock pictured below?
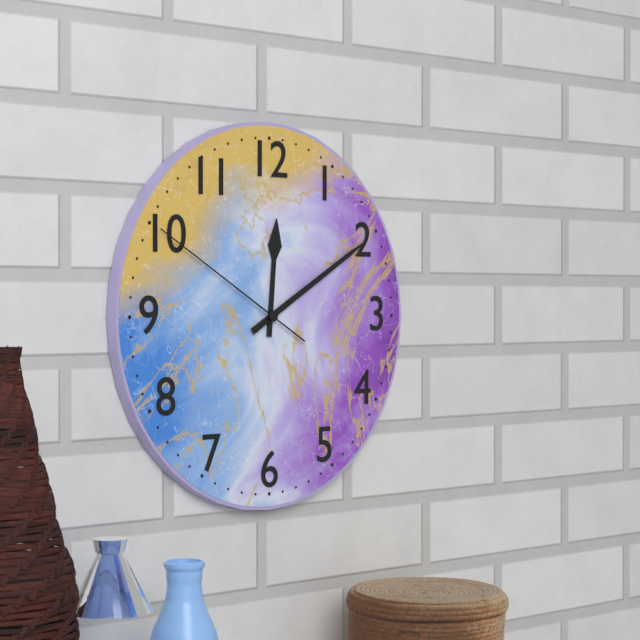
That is 12,10,50
